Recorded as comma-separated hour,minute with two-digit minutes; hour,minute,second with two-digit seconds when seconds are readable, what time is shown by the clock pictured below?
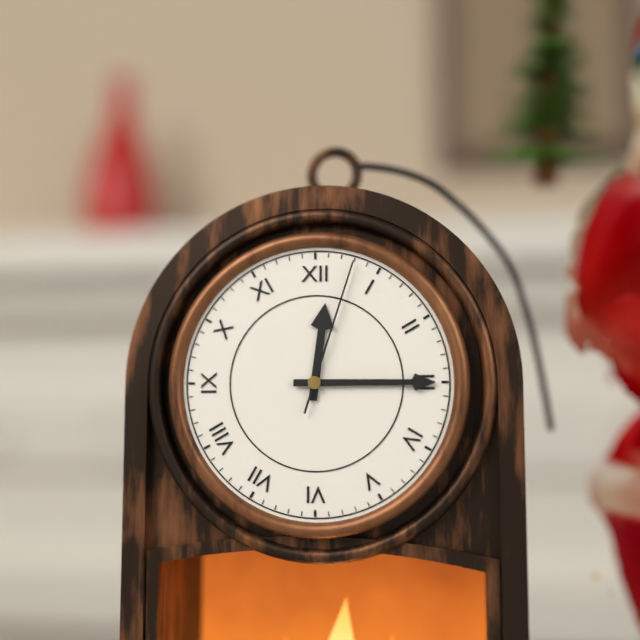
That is 12,15,03
